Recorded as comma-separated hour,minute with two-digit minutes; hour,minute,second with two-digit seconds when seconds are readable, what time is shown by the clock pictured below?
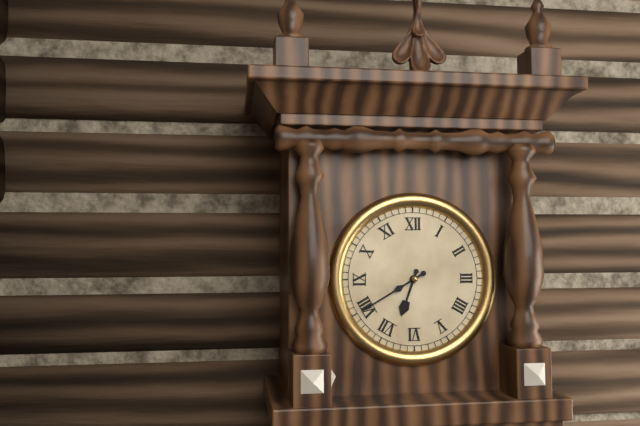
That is 6,40
